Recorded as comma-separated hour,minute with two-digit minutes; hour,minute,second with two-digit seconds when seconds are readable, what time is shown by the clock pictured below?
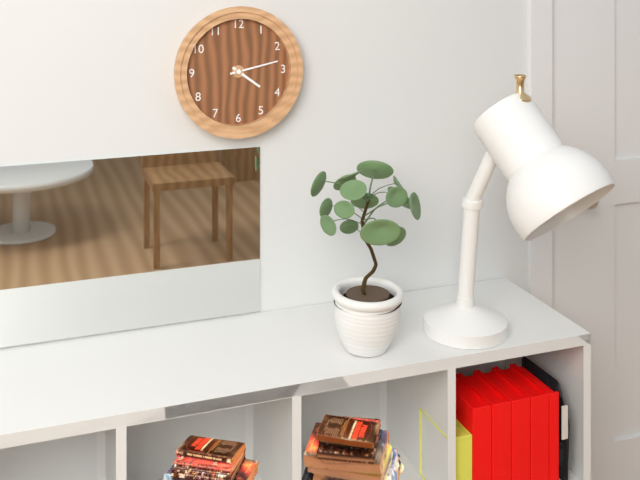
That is 4,13
